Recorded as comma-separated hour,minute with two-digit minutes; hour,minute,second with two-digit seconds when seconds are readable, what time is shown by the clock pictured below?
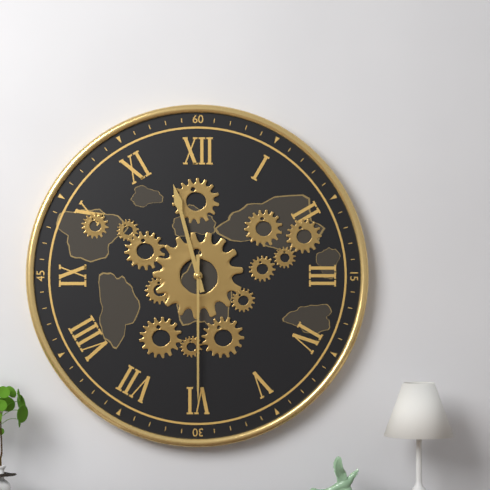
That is 11,30
